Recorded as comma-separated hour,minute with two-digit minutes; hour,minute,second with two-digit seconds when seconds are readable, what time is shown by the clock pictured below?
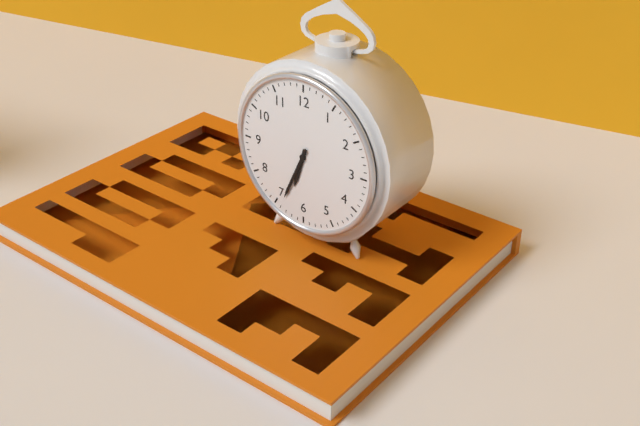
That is 6,34
